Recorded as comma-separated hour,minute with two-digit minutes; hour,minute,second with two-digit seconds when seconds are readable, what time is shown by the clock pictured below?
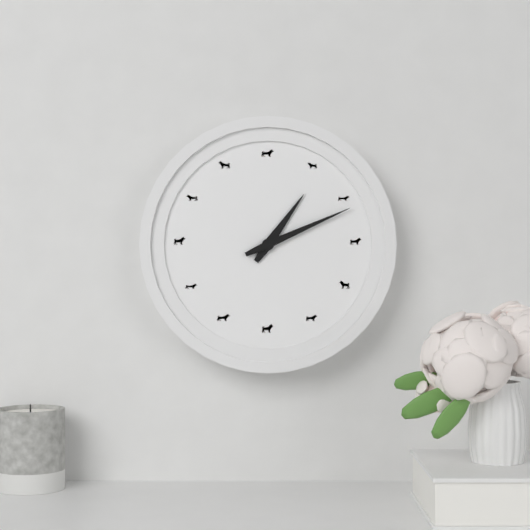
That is 1,11
